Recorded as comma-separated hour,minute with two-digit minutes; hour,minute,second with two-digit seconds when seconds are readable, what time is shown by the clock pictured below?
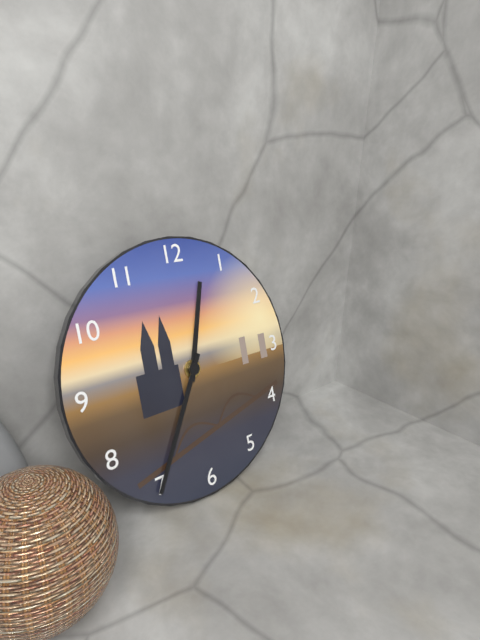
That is 12,35
